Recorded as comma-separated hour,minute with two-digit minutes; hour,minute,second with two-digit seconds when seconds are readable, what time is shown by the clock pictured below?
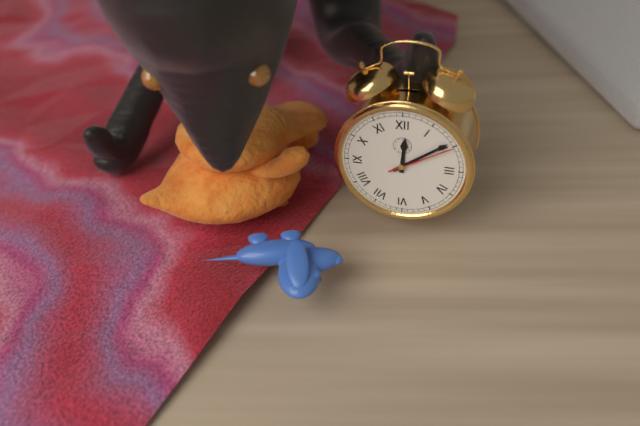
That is 12,09,10
